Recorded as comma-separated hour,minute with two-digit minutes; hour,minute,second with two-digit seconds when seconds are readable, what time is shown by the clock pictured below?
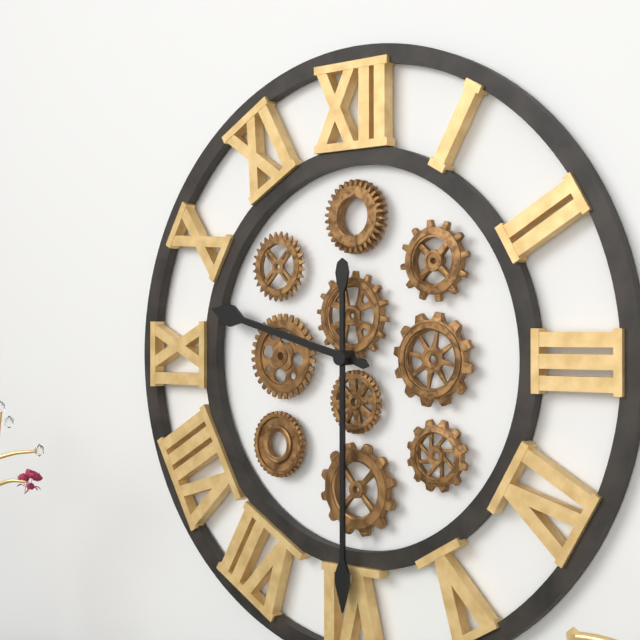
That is 9,30
